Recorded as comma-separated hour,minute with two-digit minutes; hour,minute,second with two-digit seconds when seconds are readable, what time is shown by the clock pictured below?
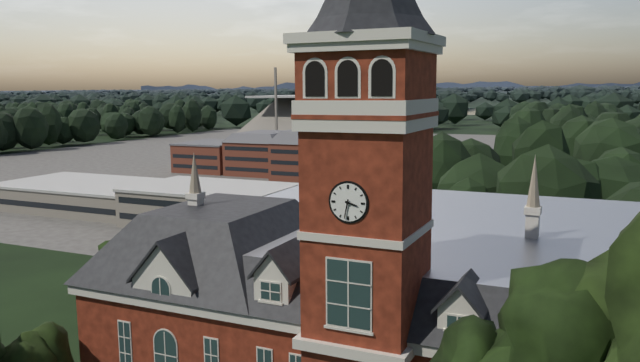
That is 3,32
